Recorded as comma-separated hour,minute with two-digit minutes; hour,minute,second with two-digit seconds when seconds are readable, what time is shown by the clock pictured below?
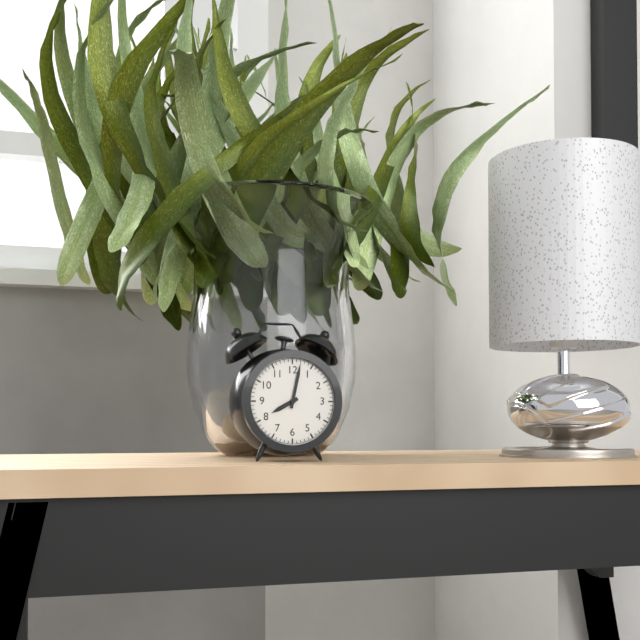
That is 8,02
